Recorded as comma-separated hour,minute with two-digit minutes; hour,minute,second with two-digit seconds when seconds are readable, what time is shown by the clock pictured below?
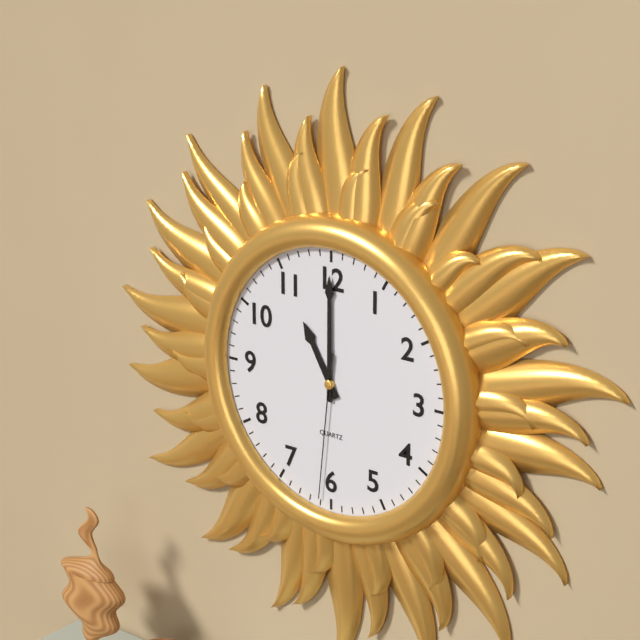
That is 11,00,31
